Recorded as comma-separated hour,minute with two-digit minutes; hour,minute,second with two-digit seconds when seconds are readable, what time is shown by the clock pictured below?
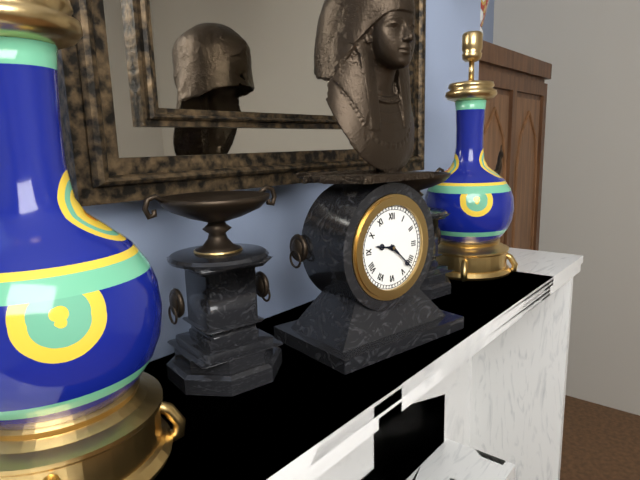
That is 9,22
